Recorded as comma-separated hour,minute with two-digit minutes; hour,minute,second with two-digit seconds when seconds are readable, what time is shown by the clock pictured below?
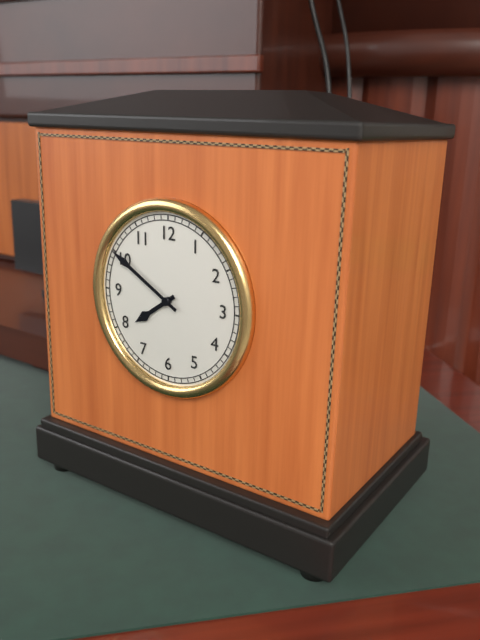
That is 7,50
